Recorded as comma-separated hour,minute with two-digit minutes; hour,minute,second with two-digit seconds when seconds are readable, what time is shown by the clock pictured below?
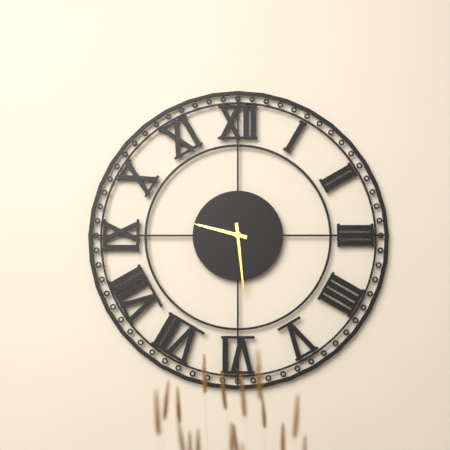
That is 9,29
